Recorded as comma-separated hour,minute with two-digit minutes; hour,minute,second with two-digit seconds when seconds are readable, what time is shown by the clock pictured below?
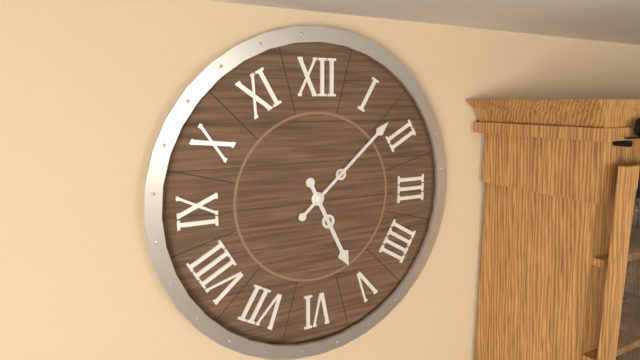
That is 5,08
